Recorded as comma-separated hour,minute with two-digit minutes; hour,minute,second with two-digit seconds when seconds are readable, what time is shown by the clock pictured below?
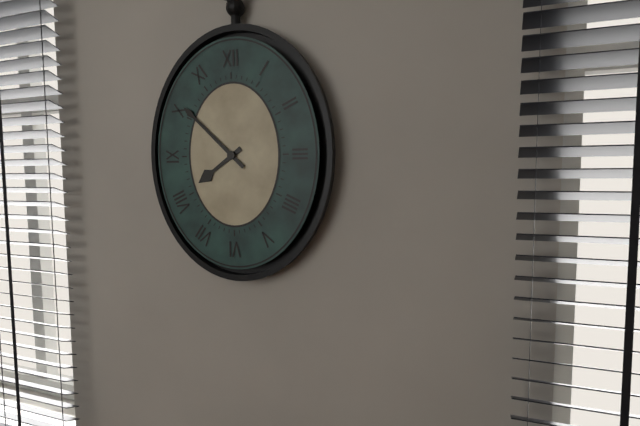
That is 7,52
